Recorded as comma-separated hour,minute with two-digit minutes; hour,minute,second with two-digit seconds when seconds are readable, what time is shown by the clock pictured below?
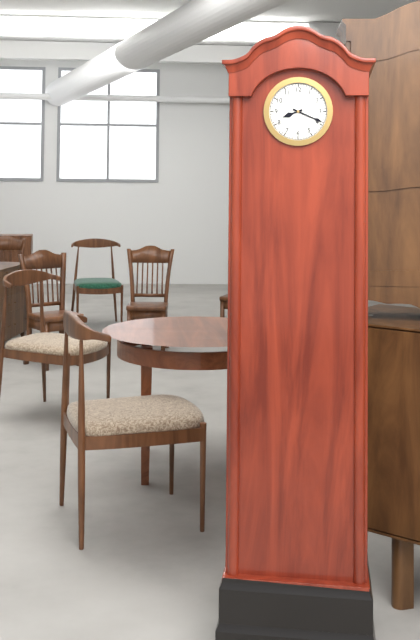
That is 8,19
